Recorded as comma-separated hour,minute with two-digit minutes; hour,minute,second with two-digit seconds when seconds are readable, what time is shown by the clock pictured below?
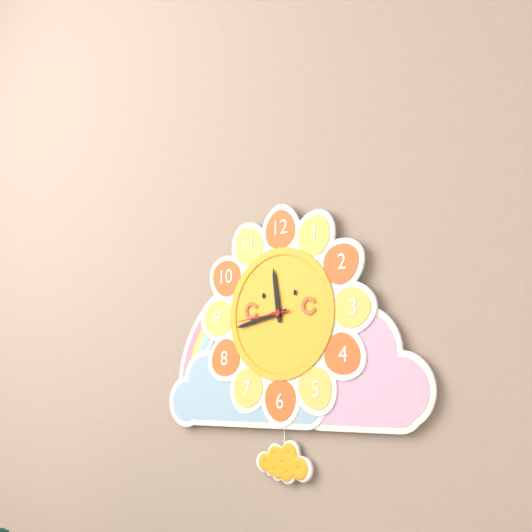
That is 11,43,44
